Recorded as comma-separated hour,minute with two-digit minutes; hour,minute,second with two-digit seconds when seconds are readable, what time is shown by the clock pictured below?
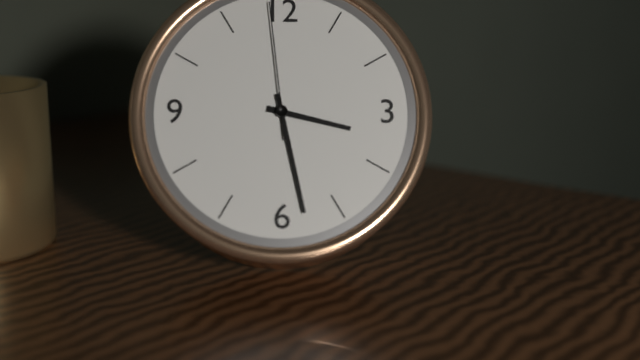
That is 3,28,59
